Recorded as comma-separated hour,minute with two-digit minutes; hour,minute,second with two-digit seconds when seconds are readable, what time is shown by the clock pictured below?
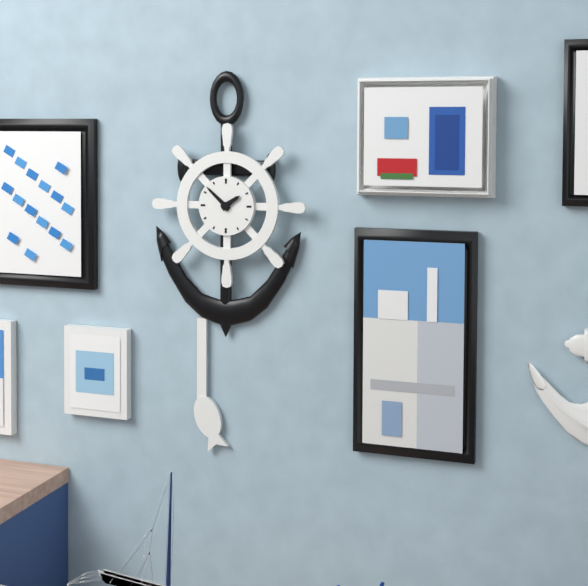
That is 1,52
